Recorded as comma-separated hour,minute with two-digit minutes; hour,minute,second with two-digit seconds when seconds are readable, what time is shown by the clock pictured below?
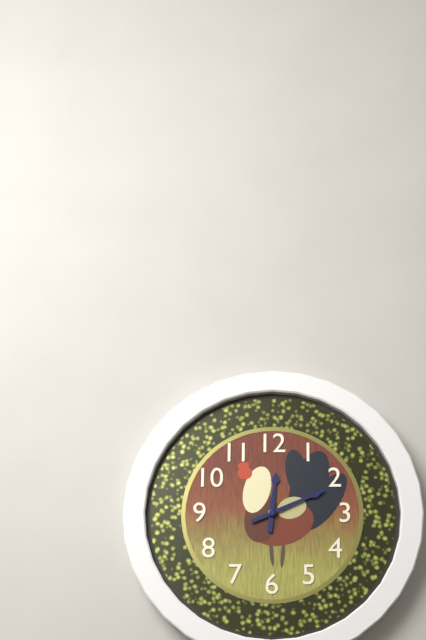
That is 12,11
